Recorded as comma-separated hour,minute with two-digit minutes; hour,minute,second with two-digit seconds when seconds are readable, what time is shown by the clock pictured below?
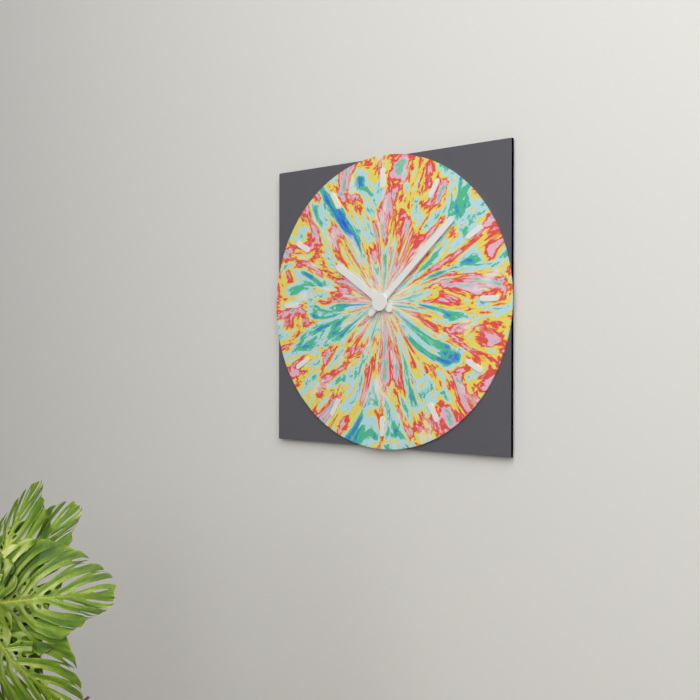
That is 10,08
